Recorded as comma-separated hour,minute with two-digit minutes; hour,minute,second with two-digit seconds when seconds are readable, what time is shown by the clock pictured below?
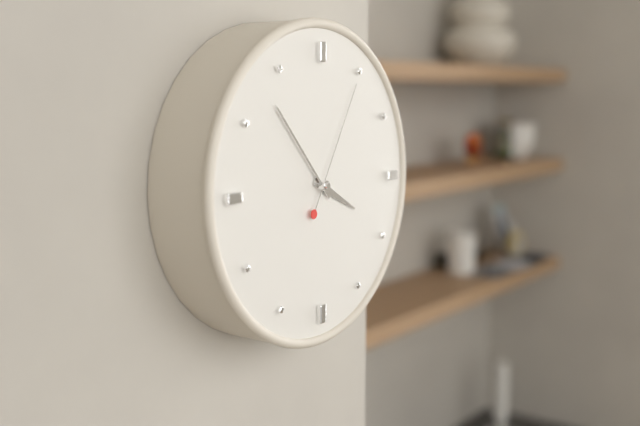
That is 3,53,05
